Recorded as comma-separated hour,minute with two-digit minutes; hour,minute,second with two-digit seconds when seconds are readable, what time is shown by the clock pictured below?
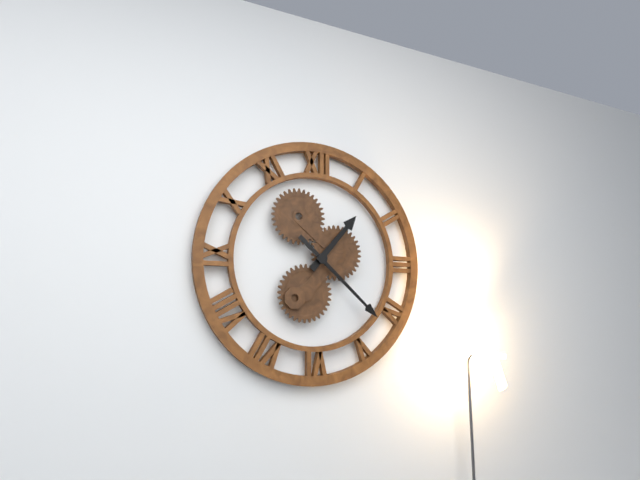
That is 1,22
